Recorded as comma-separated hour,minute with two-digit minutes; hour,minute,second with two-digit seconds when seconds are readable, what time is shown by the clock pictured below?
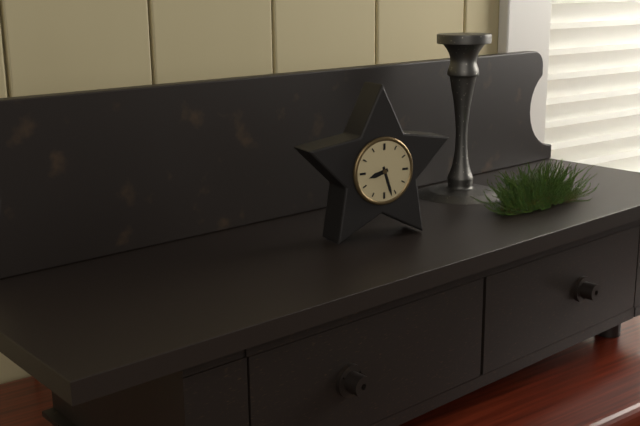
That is 8,27
